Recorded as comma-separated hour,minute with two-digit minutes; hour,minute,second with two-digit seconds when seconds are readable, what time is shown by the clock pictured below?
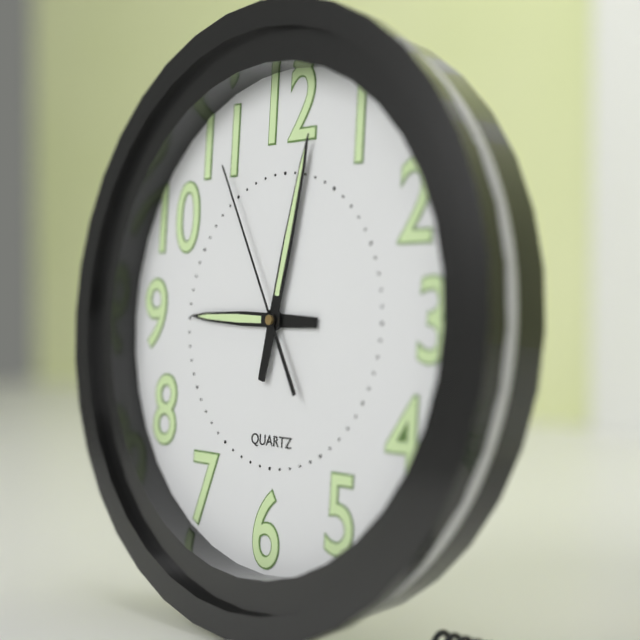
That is 9,02,55
